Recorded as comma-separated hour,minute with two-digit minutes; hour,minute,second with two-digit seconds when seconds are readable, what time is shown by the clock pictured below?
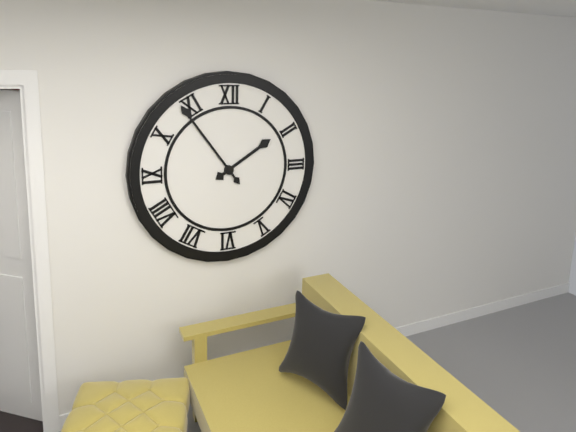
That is 1,54
